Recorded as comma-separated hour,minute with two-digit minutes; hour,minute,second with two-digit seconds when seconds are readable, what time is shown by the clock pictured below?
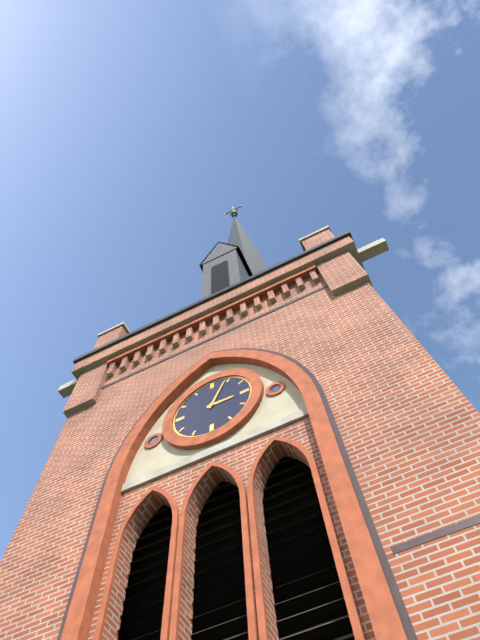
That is 3,04
